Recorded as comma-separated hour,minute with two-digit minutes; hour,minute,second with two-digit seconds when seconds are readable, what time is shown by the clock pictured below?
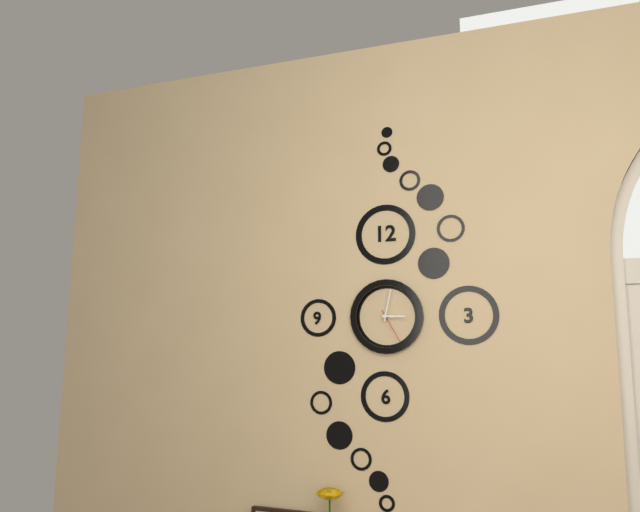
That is 3,02
